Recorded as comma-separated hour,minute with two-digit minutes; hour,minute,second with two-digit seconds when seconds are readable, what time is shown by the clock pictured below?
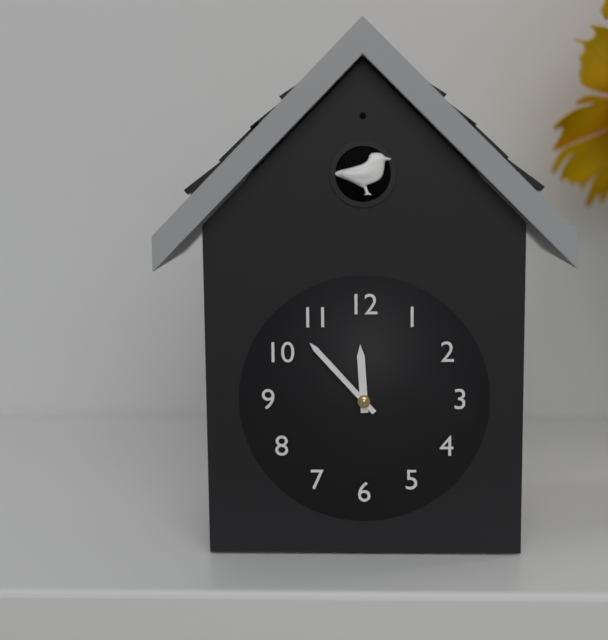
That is 11,53
